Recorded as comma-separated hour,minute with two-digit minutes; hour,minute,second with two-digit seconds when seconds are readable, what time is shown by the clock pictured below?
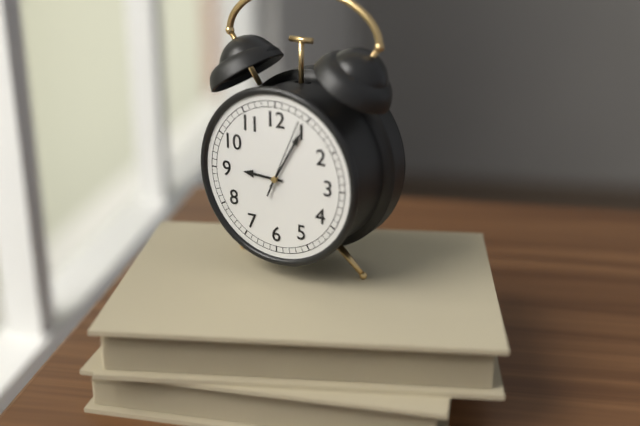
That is 9,05,04
